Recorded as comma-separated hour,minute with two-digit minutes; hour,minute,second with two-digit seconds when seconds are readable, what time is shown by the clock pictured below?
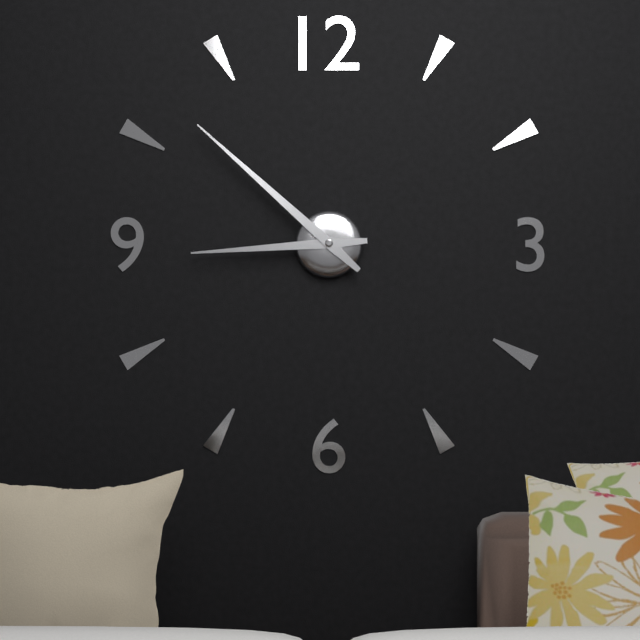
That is 8,52
